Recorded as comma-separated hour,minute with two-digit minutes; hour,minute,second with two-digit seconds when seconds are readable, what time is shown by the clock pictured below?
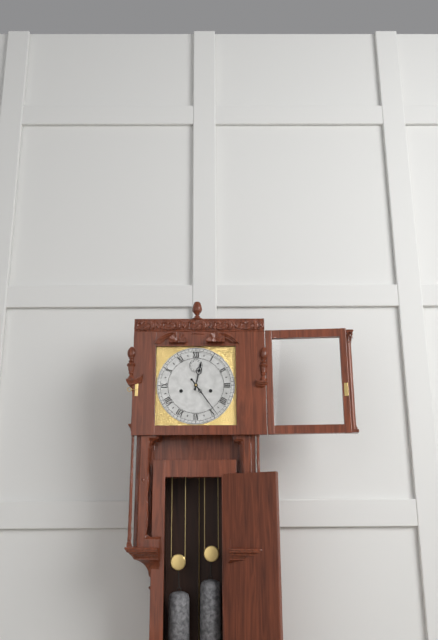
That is 12,24
